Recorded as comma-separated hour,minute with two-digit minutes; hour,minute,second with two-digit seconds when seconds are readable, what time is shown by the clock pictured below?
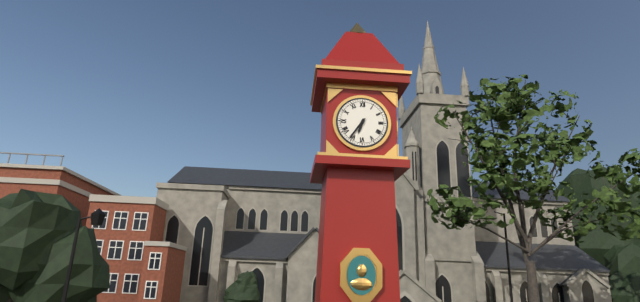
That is 6,36
